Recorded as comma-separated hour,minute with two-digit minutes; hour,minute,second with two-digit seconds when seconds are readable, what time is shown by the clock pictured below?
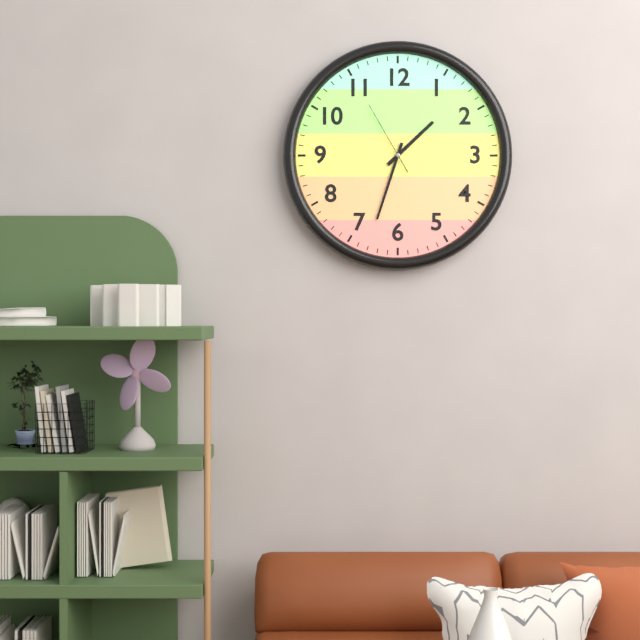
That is 1,33,55
